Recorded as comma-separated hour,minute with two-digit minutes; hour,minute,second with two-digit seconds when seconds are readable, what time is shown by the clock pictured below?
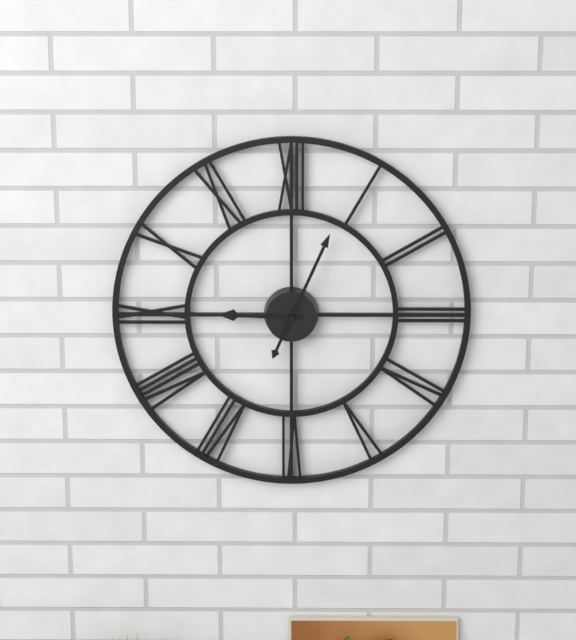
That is 9,04
